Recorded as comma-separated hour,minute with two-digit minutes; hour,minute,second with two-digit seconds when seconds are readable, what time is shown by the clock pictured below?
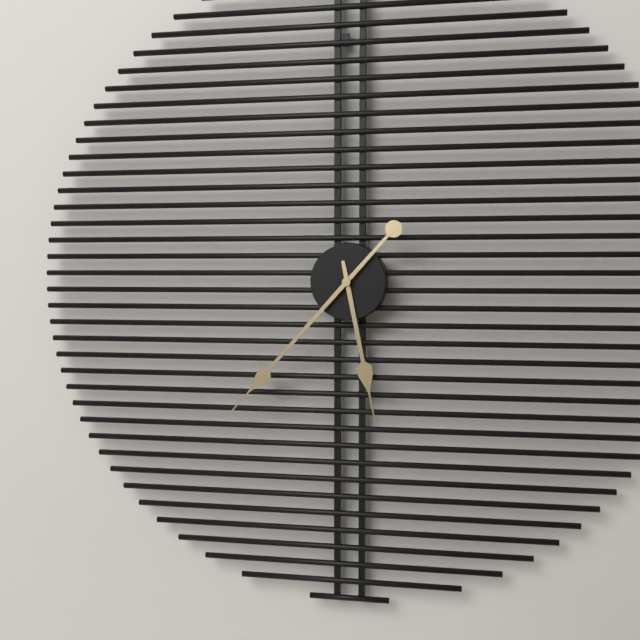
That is 5,37
